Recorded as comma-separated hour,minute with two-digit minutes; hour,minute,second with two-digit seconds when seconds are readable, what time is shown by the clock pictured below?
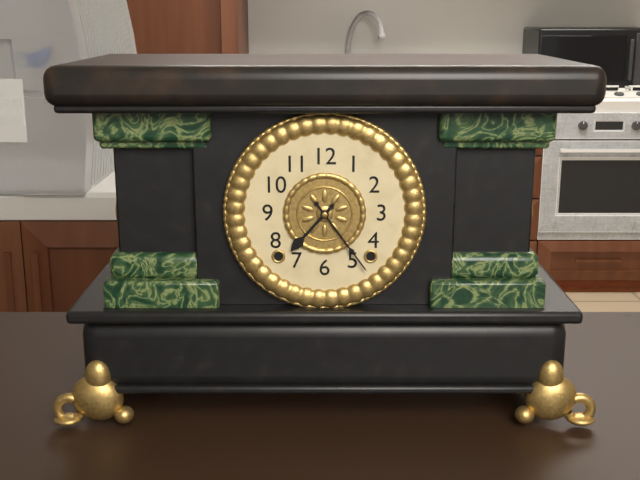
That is 7,24
